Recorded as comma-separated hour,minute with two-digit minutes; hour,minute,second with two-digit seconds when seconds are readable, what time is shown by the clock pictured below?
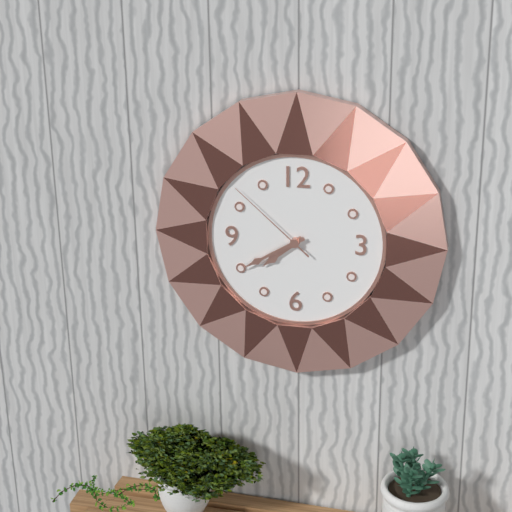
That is 7,40,52
